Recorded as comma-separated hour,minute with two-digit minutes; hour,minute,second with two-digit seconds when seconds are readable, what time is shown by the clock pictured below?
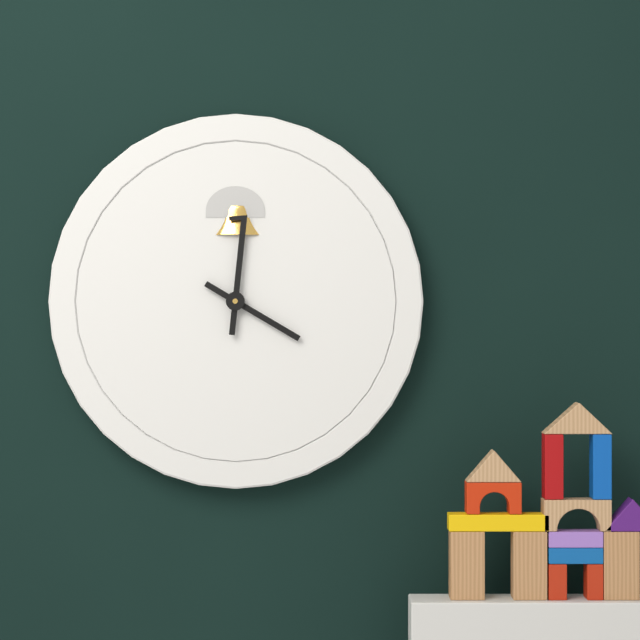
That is 4,01
